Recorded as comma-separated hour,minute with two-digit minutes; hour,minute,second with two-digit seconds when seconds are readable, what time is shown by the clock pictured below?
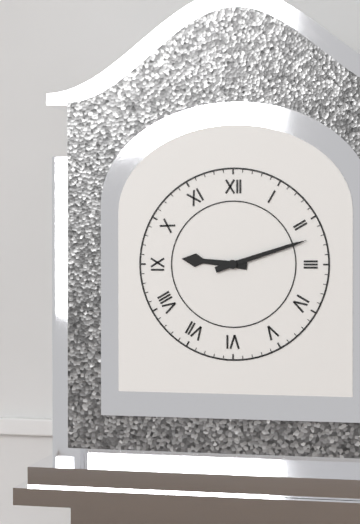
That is 9,12
